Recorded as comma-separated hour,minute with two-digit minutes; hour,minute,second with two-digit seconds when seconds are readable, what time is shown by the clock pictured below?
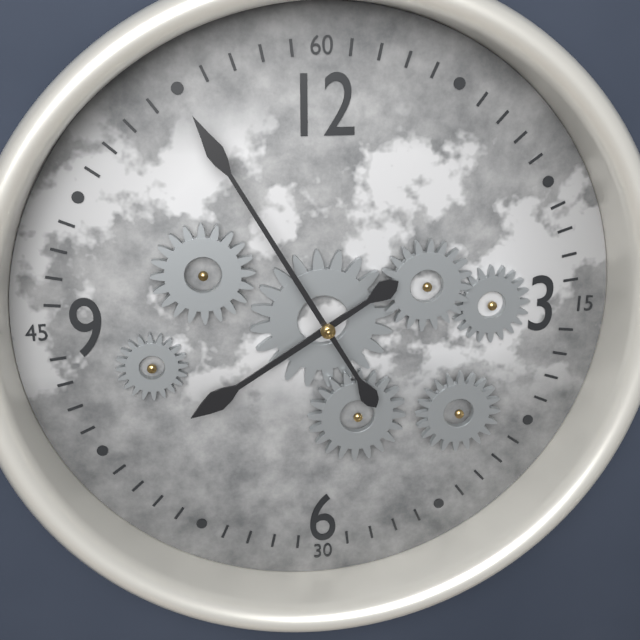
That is 7,55
